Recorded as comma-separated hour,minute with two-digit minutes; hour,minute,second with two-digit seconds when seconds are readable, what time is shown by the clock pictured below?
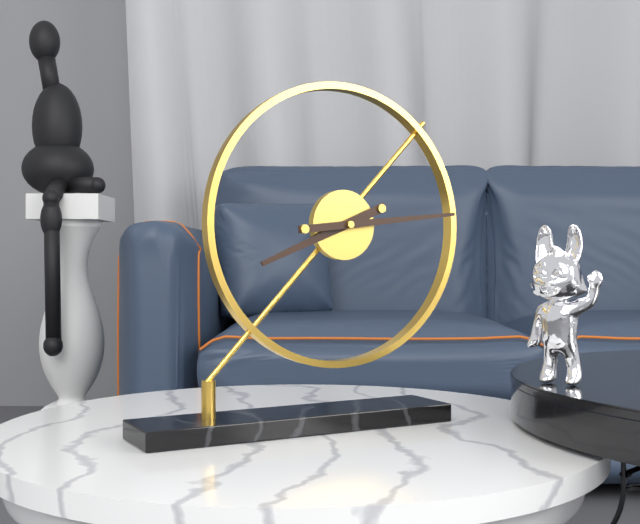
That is 8,14
